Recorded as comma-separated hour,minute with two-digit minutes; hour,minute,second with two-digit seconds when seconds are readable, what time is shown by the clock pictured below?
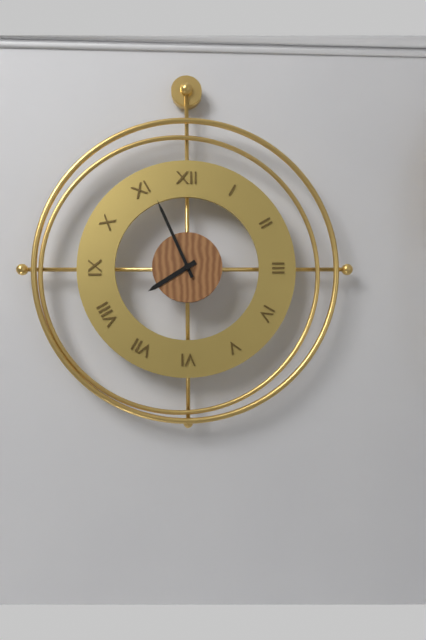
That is 7,56
